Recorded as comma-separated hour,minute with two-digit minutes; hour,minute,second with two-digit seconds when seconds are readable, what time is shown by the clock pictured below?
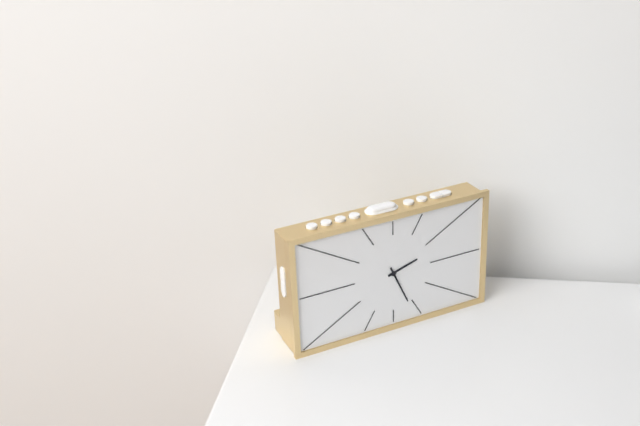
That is 2,26
